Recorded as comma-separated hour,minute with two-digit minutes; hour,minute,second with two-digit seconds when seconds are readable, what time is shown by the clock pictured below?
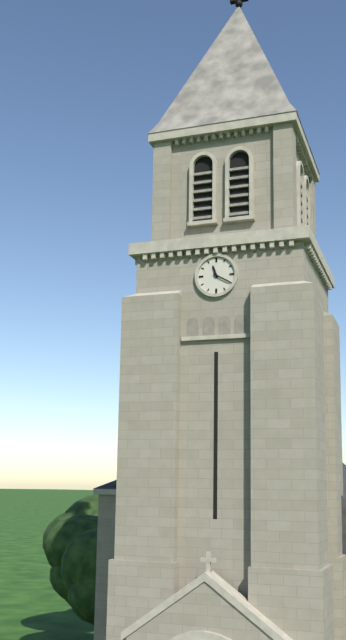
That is 11,20
